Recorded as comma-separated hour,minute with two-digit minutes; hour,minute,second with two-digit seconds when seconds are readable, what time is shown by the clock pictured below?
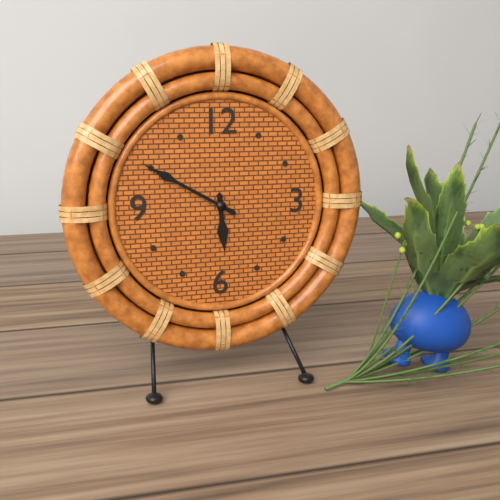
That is 5,50
